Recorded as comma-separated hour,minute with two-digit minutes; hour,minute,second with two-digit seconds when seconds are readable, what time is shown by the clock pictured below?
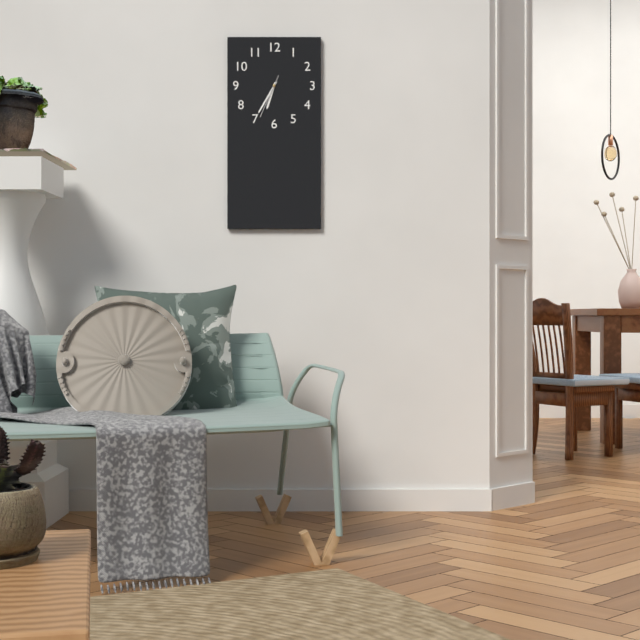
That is 6,35
